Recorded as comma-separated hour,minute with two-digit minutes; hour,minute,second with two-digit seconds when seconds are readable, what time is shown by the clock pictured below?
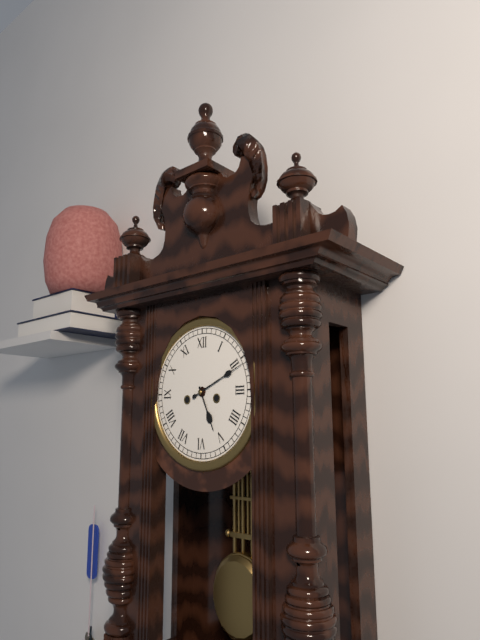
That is 5,11
